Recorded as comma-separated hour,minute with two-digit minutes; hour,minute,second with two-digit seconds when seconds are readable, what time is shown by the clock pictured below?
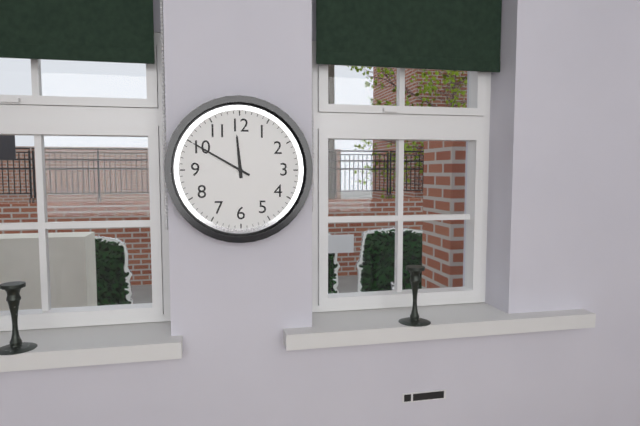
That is 11,50
